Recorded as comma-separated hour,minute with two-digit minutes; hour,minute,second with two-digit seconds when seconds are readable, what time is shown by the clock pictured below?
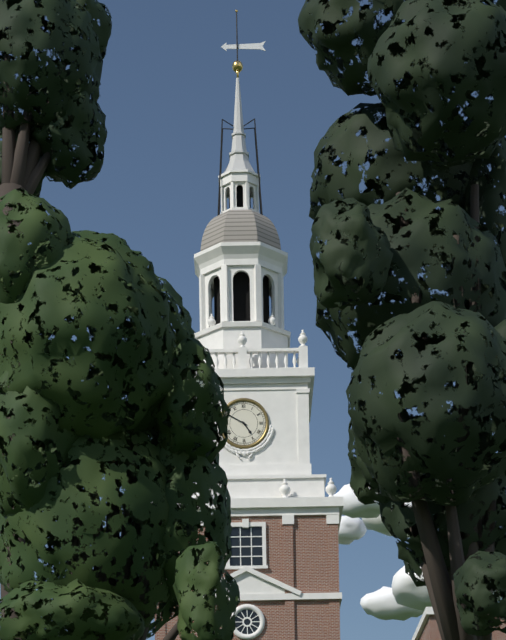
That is 4,50
